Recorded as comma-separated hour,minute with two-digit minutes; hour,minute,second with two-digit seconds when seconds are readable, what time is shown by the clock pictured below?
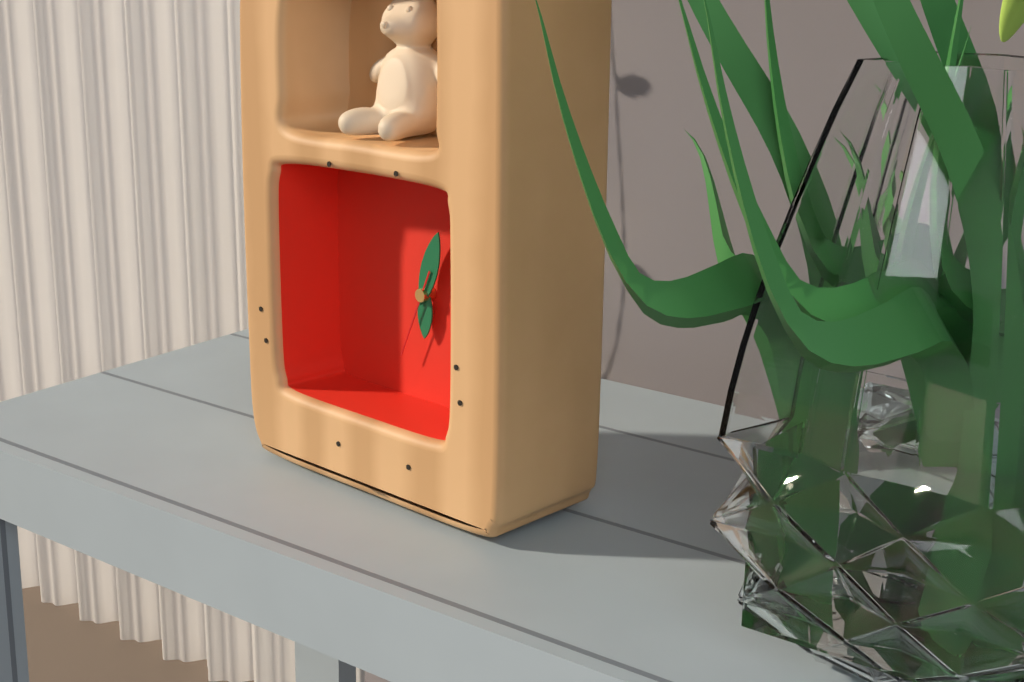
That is 6,03,34
